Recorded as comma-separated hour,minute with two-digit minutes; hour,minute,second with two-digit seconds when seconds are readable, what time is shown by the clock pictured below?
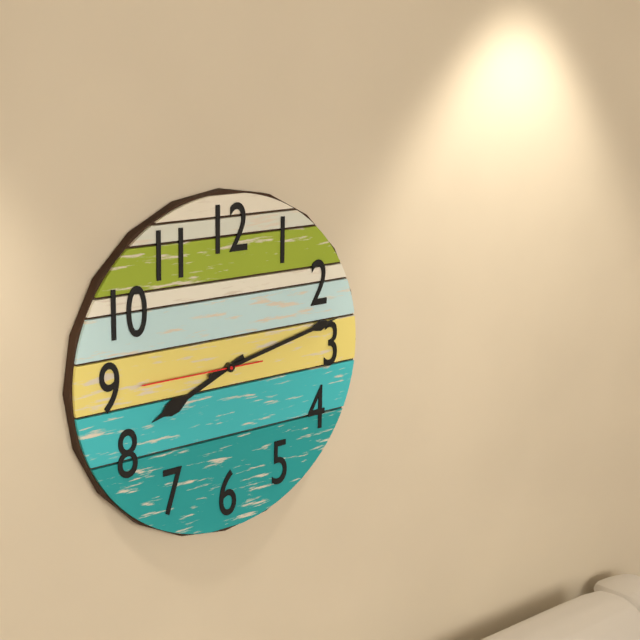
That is 8,13,45
